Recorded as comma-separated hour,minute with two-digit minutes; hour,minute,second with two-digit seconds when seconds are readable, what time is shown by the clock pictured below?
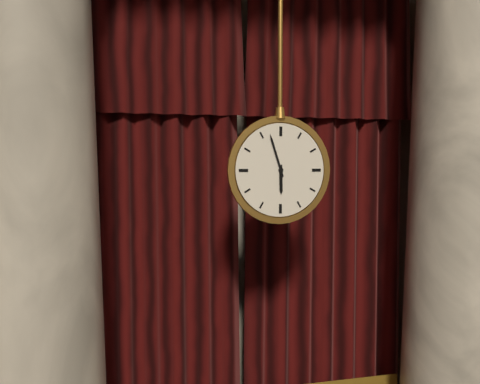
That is 5,57
